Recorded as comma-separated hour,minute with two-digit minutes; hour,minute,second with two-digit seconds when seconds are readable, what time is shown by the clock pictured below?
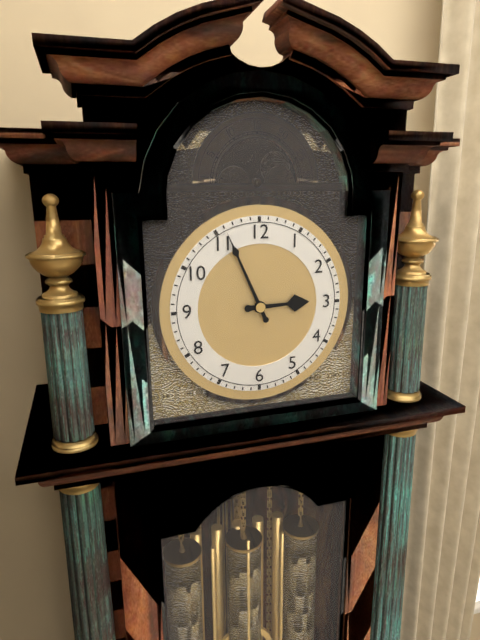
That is 2,56
